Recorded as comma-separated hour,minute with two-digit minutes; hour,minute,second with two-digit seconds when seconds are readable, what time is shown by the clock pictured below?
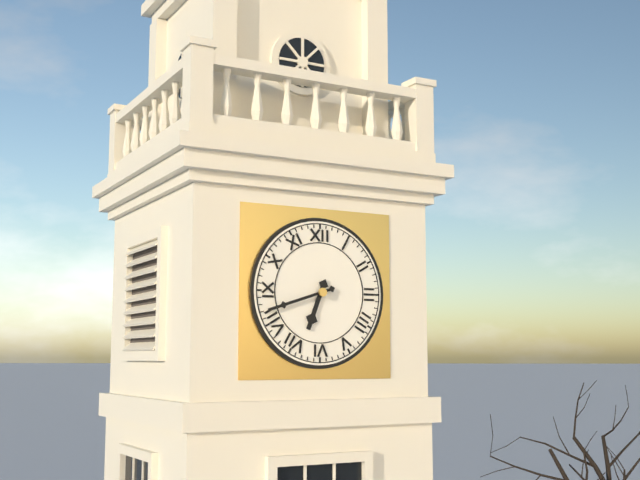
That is 6,42
